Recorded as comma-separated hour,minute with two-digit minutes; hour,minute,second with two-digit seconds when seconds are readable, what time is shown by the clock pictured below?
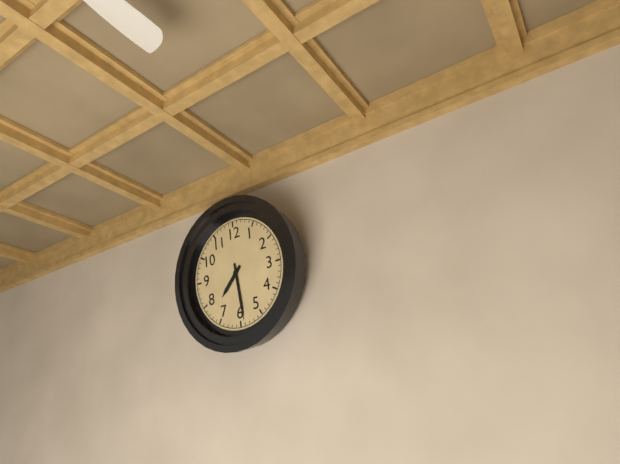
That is 7,29
